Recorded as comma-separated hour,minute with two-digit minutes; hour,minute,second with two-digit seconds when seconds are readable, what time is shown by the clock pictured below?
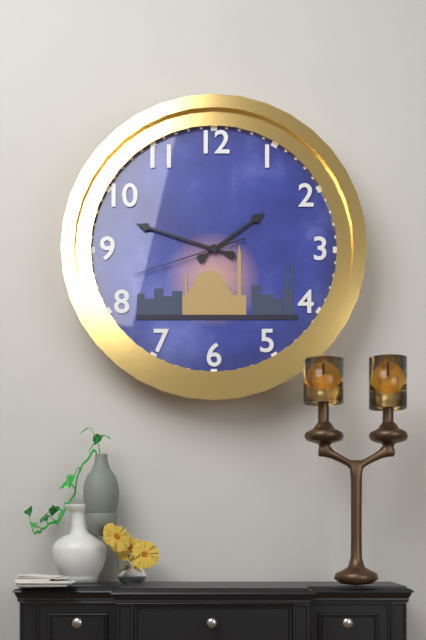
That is 1,48,42
